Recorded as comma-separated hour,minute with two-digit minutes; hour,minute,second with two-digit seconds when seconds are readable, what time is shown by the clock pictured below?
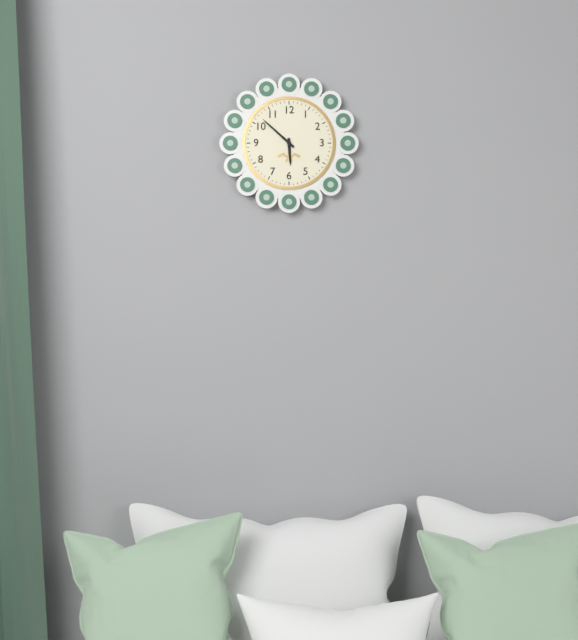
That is 5,52
